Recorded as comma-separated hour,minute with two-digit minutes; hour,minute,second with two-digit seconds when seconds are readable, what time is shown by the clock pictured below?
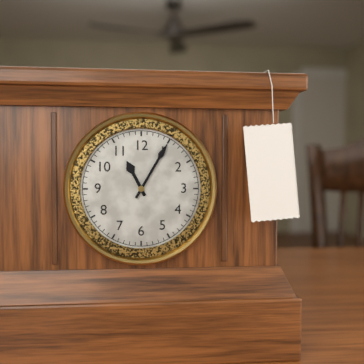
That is 11,05
